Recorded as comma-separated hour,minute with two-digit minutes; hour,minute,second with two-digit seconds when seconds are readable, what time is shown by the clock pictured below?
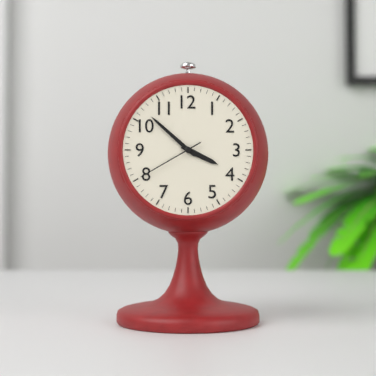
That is 3,52,40
